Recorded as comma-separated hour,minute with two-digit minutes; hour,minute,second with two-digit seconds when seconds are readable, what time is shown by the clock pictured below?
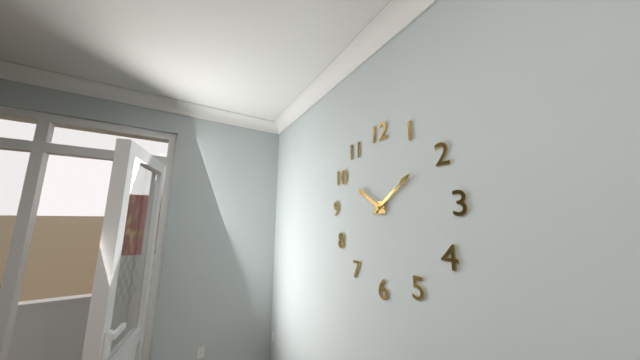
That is 10,09
